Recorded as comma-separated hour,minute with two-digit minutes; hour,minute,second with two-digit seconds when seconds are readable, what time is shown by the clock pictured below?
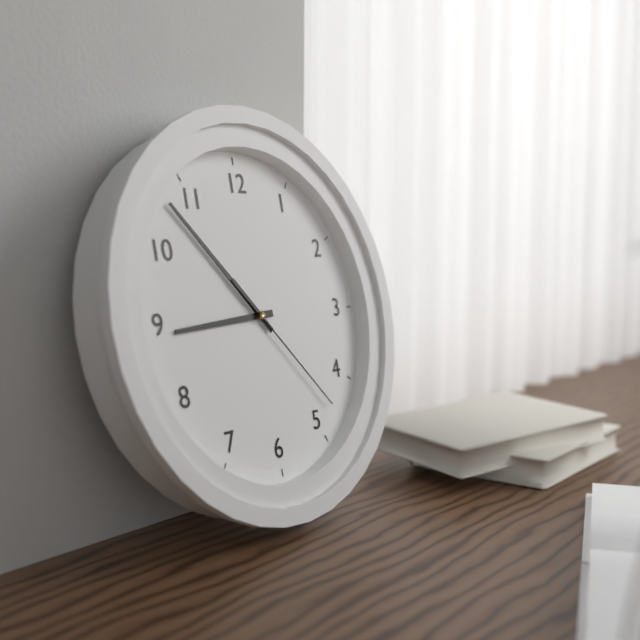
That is 8,53,23
